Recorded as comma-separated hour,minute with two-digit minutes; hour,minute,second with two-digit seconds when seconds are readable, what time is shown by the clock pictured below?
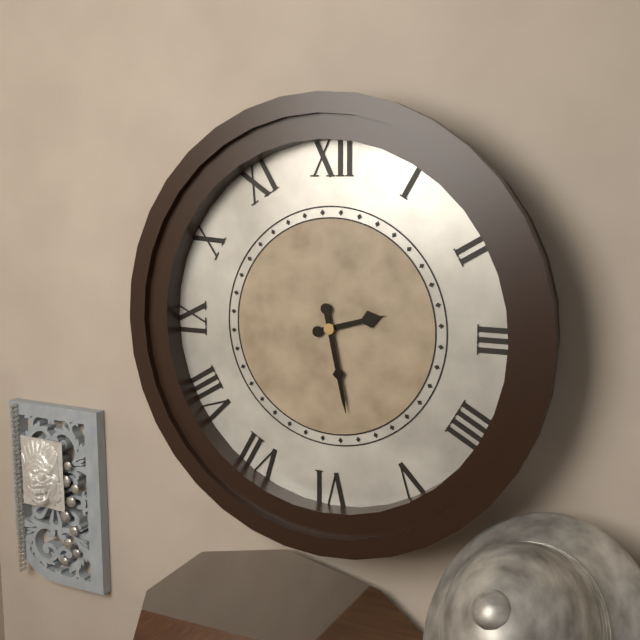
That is 2,28
